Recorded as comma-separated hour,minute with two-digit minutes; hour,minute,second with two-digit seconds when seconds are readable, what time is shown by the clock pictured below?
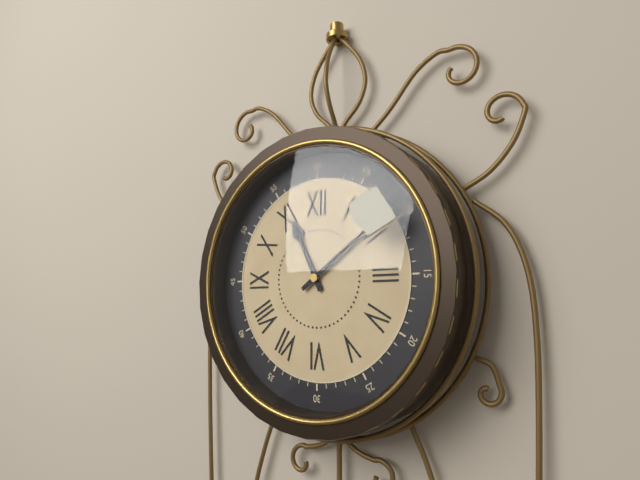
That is 11,09
